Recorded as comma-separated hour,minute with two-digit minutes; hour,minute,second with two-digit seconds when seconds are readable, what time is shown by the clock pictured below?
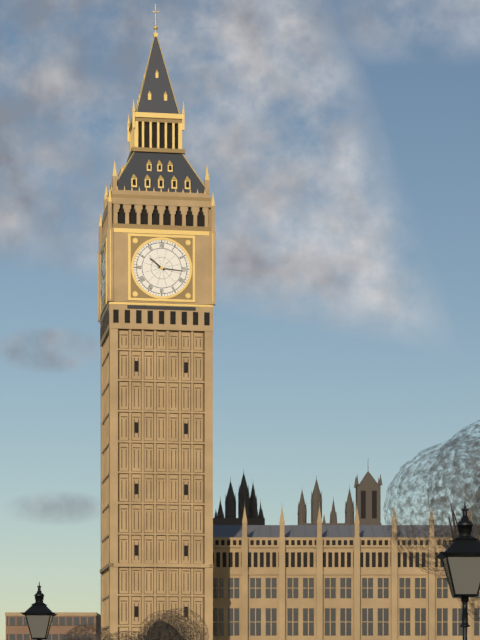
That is 10,16
